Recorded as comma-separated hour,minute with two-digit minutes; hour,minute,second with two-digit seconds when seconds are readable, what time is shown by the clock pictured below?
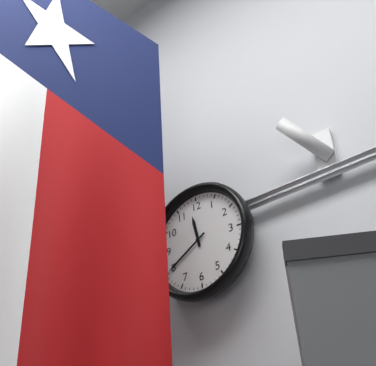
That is 11,40
